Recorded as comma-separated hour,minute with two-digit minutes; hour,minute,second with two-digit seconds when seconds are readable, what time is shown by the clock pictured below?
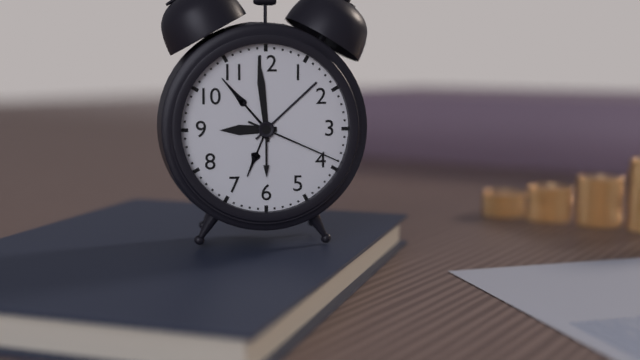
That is 8,59,19
